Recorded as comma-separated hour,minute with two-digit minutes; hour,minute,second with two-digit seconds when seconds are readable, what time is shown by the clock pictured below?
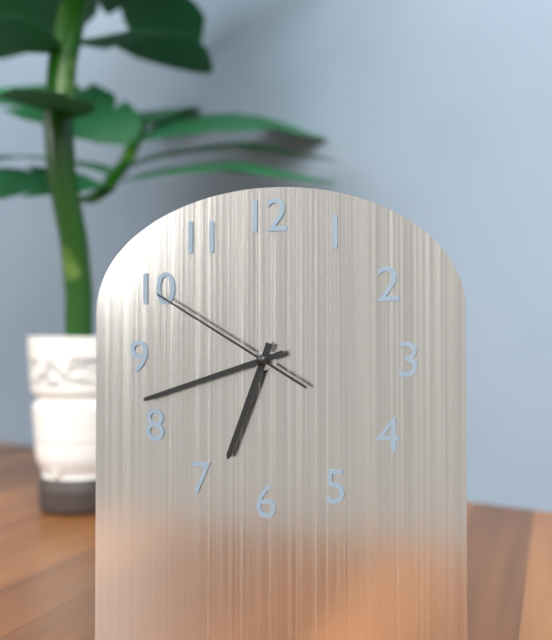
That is 6,42,50
